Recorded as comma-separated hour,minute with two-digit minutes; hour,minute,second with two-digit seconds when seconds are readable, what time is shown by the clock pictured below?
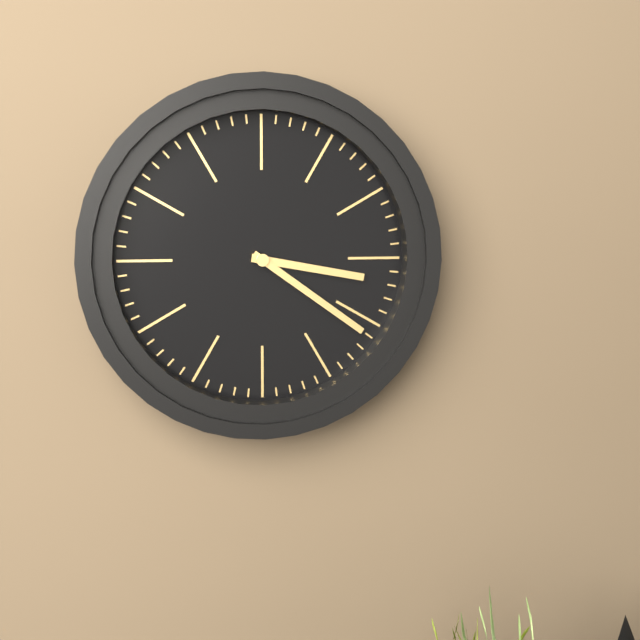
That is 3,21
